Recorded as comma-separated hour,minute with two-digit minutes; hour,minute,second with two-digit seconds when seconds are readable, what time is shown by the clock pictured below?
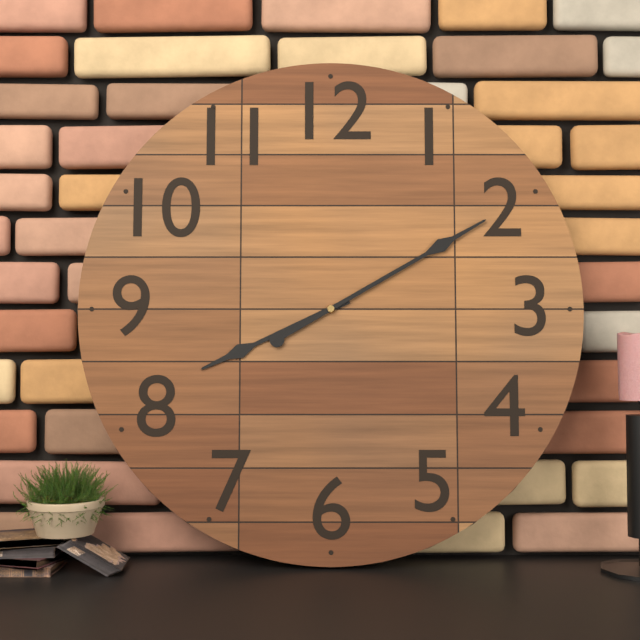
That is 8,10
